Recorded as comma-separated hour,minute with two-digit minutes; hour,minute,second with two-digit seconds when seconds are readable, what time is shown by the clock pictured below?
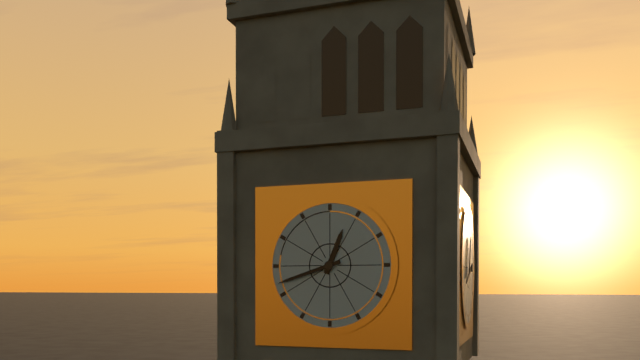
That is 12,42
